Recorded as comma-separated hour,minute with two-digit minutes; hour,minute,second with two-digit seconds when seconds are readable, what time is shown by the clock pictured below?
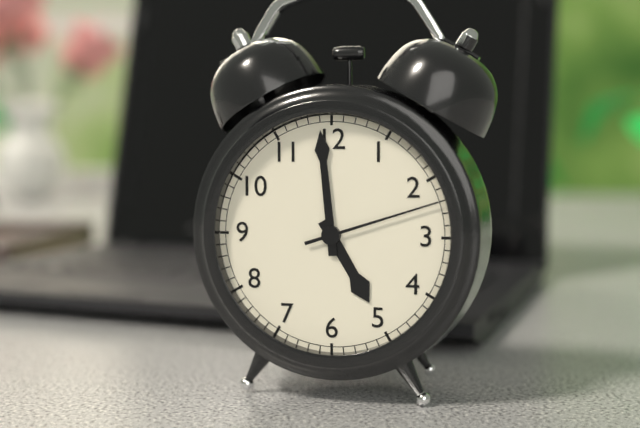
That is 4,59,12
